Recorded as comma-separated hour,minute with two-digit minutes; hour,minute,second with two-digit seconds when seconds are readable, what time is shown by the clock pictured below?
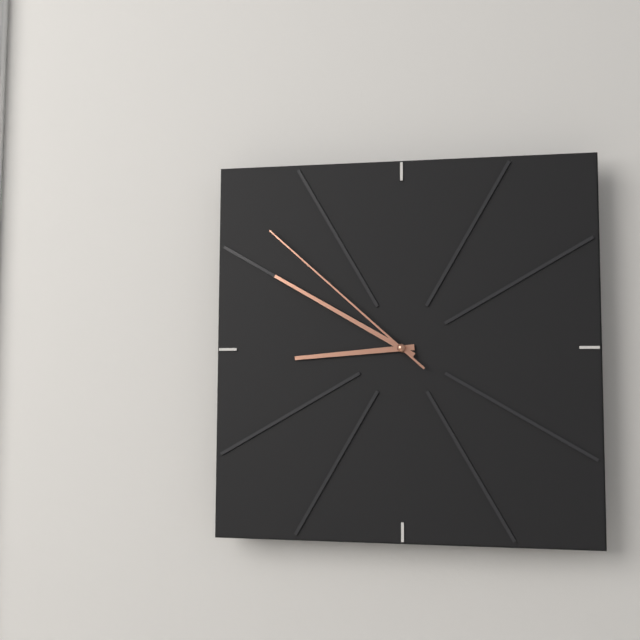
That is 8,50,52
